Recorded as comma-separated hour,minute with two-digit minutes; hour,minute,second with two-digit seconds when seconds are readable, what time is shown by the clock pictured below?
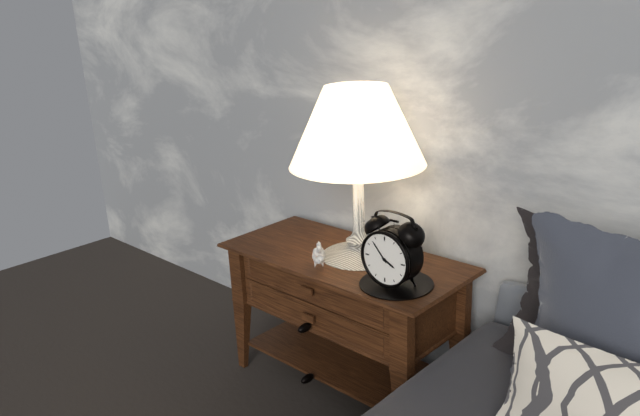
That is 3,53
